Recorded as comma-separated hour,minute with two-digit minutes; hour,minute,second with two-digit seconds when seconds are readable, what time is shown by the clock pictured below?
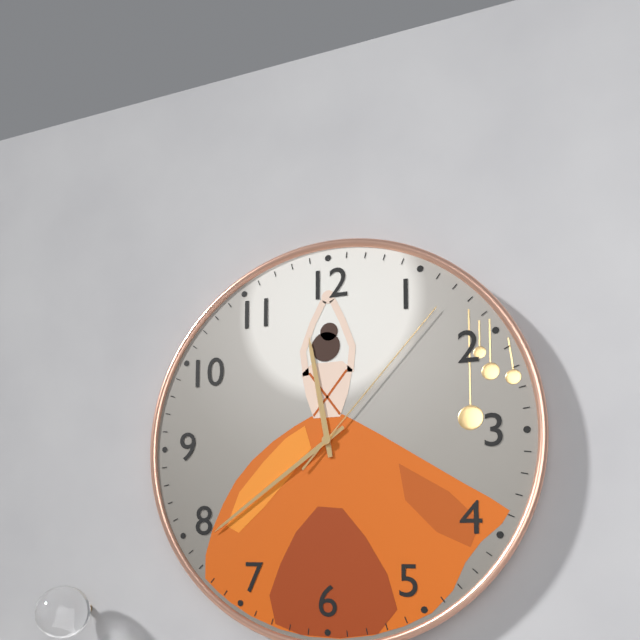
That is 11,39,07
